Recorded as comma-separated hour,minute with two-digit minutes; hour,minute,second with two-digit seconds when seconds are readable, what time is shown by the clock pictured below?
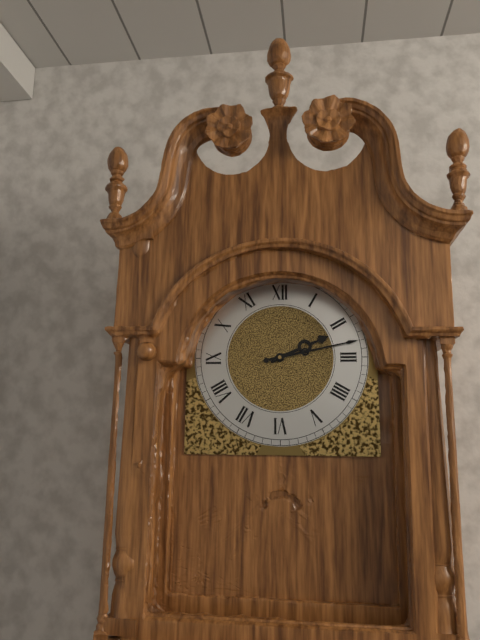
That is 2,13
